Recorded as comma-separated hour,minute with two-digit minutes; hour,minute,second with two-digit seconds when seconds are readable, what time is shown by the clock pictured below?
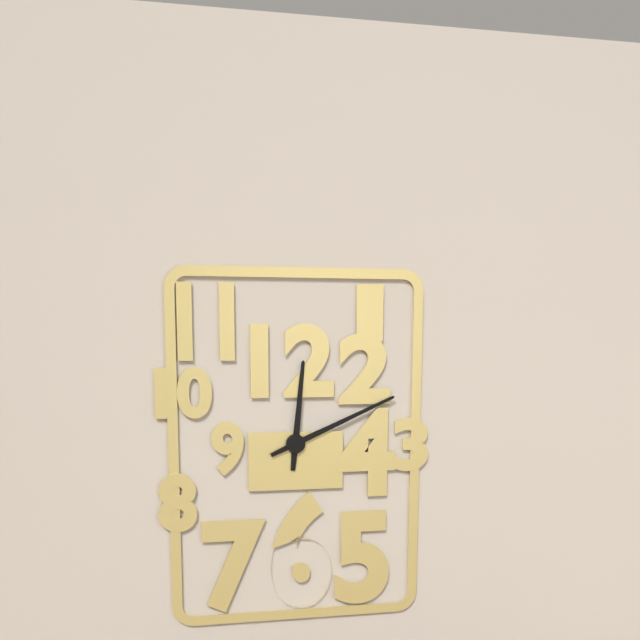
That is 12,11
